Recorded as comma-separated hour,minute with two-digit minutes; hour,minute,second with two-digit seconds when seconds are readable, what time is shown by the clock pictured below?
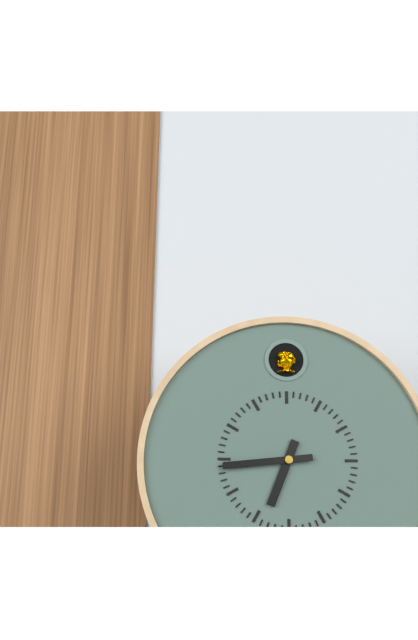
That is 6,44
